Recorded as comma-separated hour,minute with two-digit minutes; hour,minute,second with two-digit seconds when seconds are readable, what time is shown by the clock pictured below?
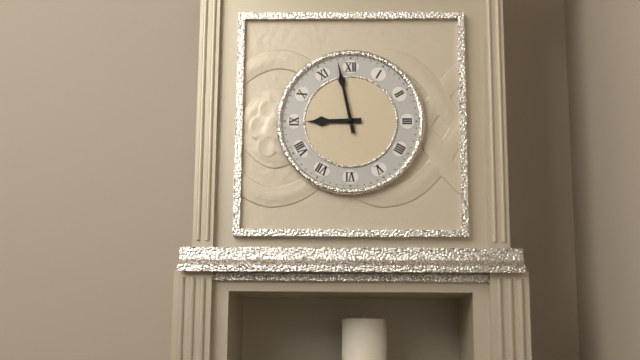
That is 8,58
